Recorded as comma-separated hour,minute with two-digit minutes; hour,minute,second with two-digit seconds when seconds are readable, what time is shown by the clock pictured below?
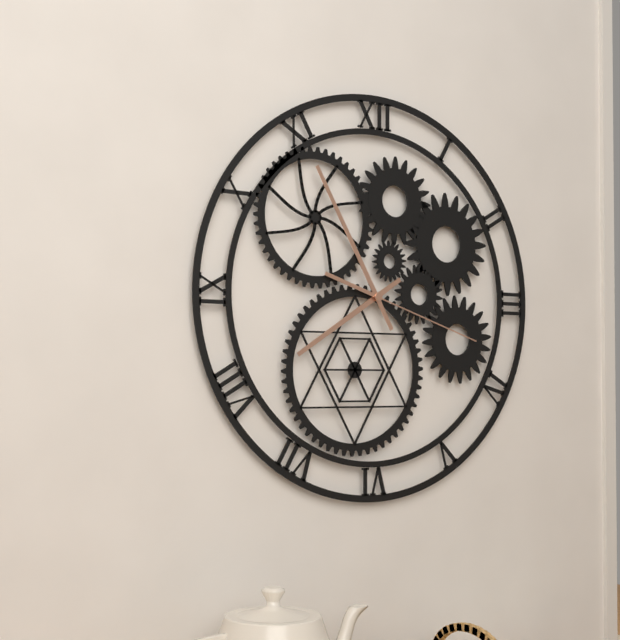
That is 7,55,18
